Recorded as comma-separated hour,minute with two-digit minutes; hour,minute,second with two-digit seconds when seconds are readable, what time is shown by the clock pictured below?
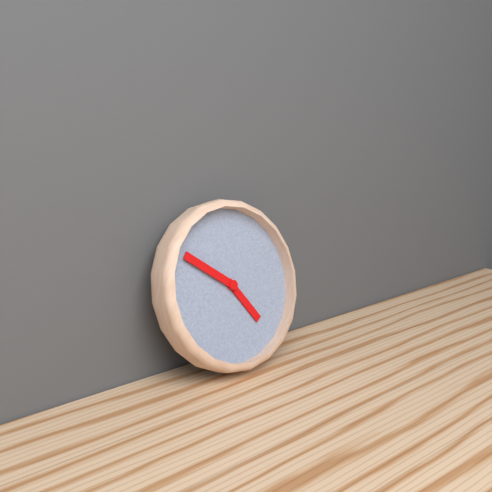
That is 4,51
